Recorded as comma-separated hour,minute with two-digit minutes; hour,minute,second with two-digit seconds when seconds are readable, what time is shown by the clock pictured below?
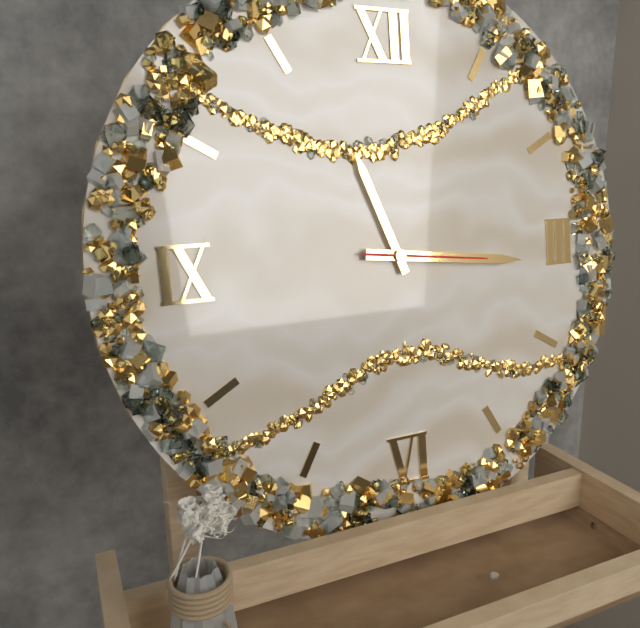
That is 11,16,16
